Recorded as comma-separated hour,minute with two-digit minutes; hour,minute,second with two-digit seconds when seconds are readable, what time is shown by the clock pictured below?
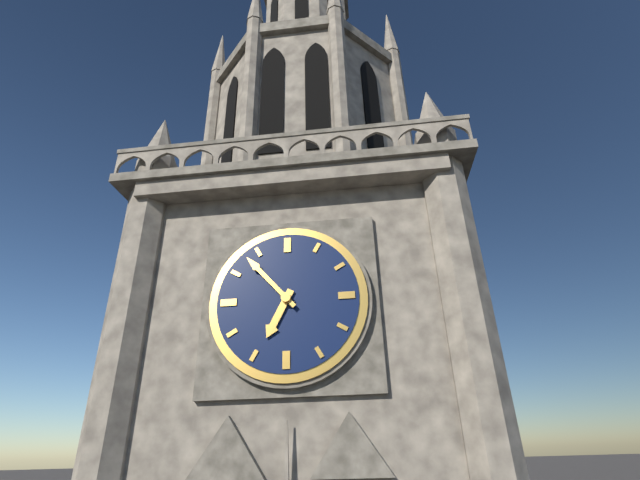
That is 6,53
